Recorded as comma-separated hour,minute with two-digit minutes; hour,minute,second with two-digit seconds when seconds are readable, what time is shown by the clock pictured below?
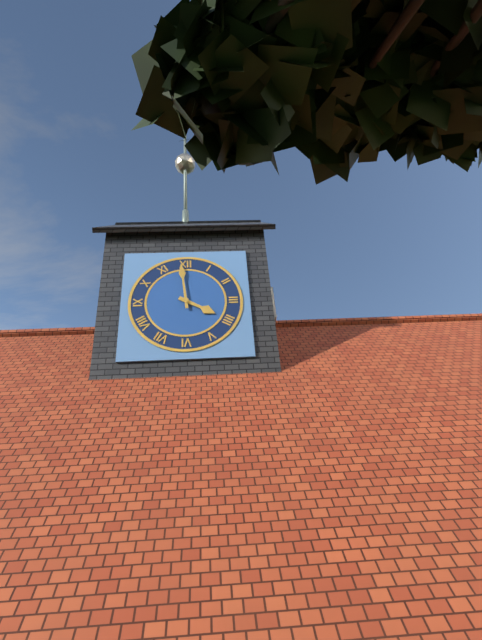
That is 3,59
